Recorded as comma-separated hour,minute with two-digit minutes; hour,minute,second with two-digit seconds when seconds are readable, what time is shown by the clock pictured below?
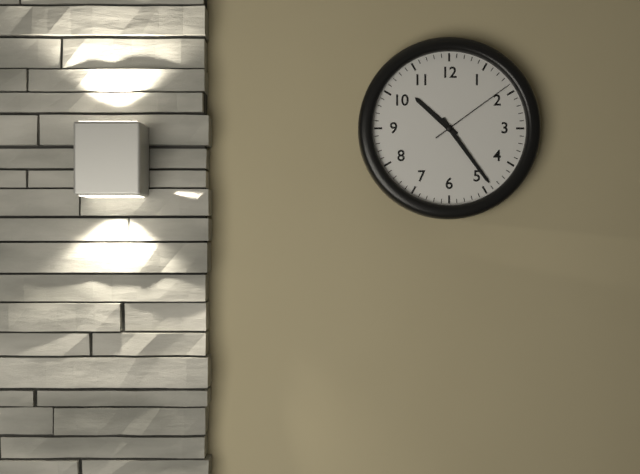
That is 10,24,09
